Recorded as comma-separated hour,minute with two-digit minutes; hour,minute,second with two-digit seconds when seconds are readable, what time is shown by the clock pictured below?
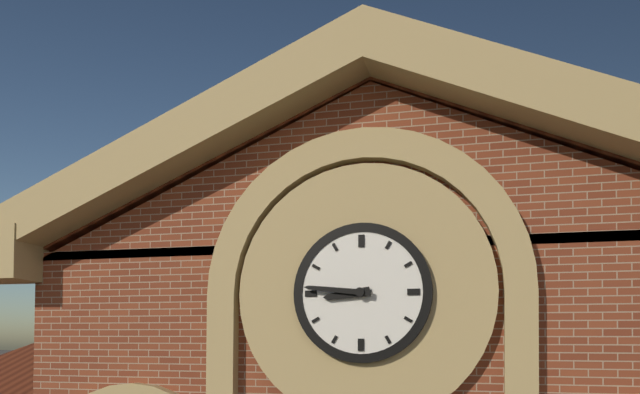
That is 8,46
